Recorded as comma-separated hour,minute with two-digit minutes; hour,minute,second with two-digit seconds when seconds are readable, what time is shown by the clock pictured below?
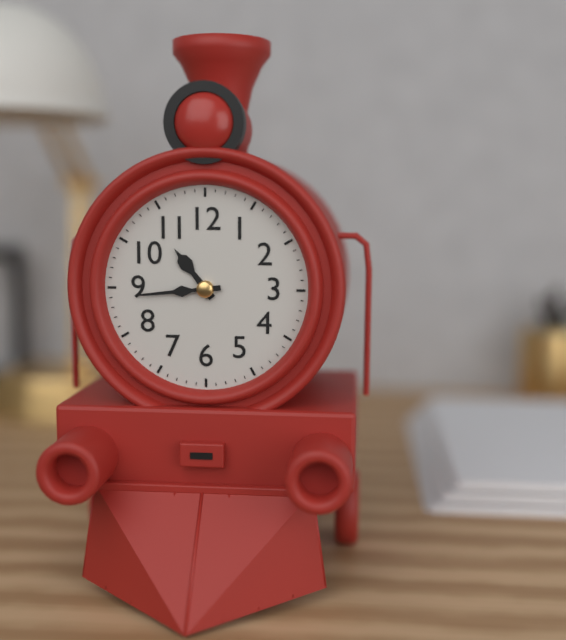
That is 10,44
